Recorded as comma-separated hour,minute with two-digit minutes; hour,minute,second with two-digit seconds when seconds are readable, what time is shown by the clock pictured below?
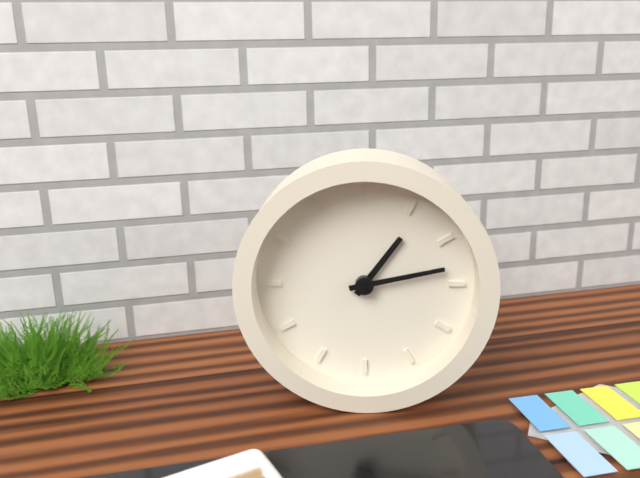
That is 1,13
